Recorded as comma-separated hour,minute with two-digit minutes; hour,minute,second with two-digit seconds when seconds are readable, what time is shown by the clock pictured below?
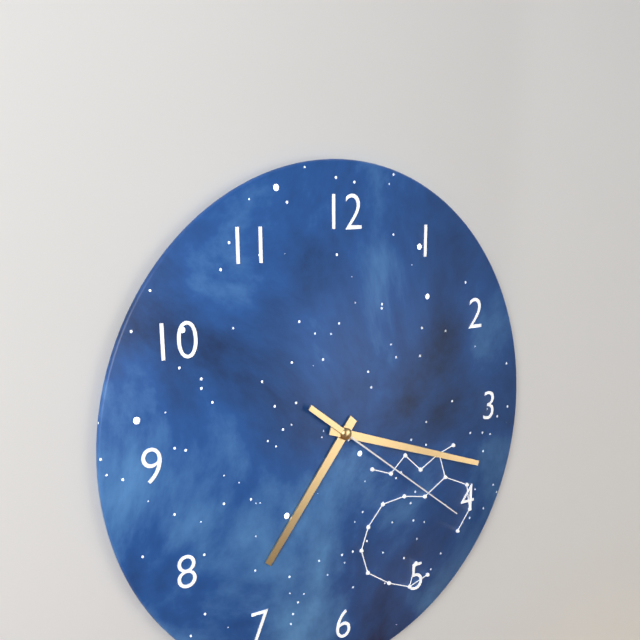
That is 7,18,21
